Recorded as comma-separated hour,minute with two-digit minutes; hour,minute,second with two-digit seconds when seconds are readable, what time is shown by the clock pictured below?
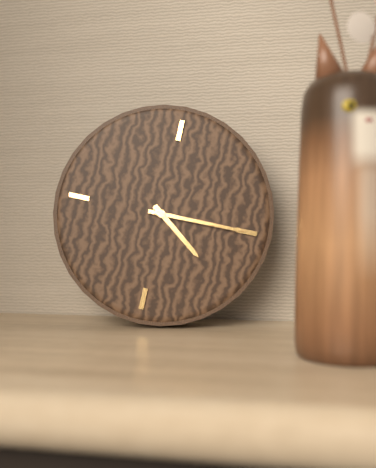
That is 4,15
